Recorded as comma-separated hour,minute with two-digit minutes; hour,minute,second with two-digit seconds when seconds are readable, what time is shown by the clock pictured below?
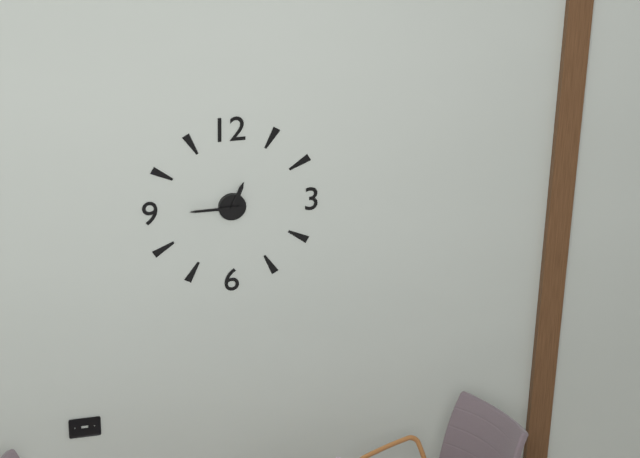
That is 12,45
